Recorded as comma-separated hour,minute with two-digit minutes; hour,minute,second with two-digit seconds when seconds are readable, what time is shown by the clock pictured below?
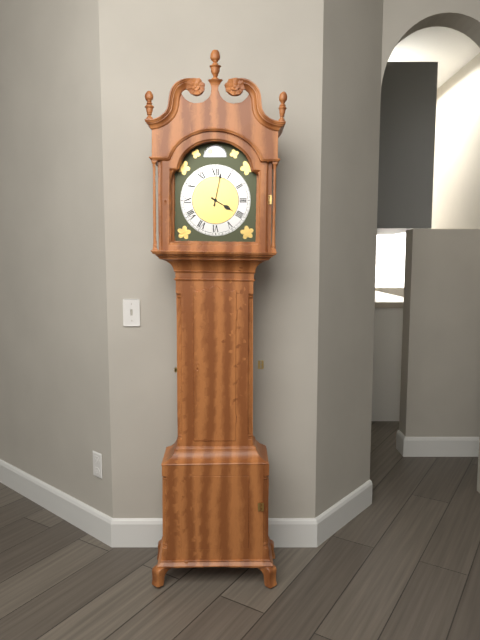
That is 4,02
